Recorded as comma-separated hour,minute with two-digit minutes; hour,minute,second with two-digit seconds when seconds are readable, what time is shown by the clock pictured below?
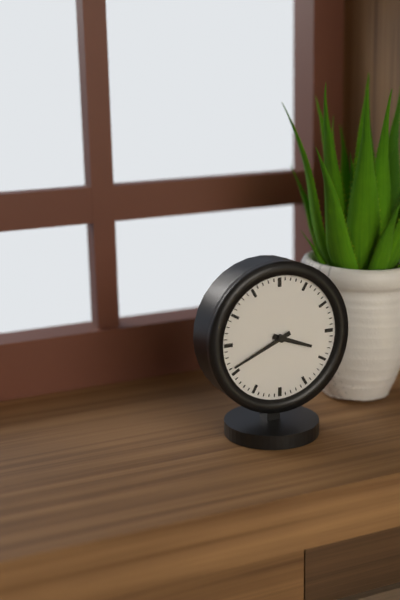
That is 3,41
